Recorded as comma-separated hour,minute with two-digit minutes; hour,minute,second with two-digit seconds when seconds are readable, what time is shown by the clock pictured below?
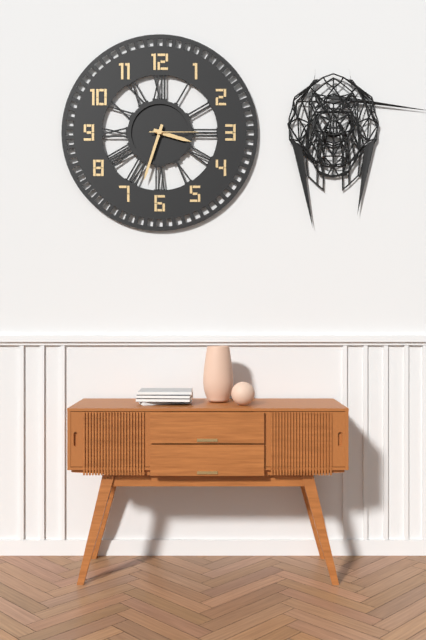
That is 3,33
